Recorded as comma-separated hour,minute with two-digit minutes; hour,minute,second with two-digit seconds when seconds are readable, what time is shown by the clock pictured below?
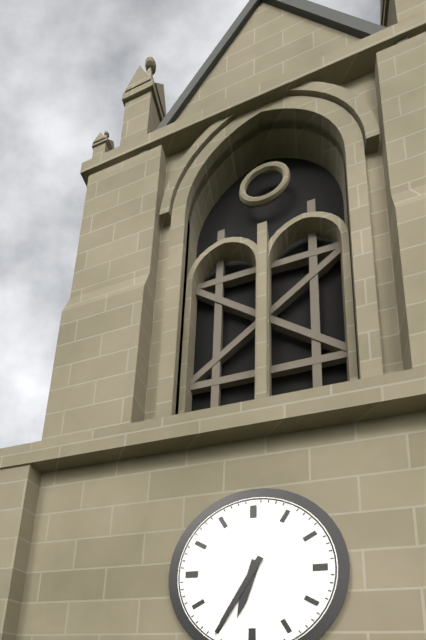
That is 6,35
